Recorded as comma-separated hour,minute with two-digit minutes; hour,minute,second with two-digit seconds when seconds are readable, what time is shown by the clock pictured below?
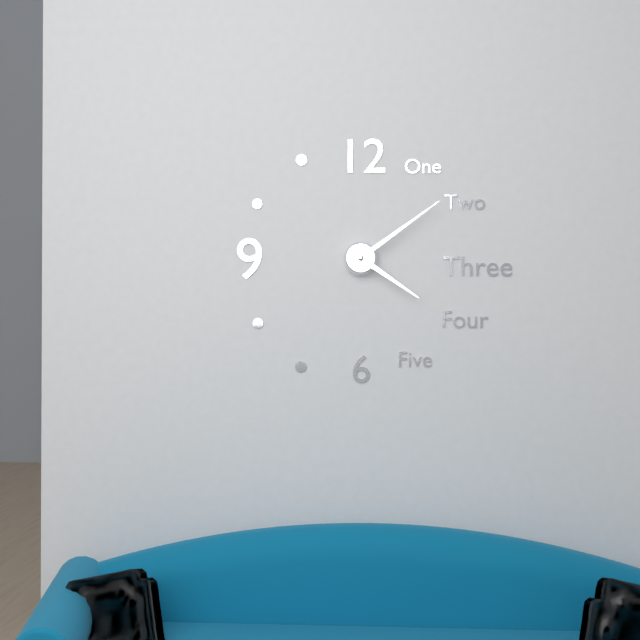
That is 4,09
